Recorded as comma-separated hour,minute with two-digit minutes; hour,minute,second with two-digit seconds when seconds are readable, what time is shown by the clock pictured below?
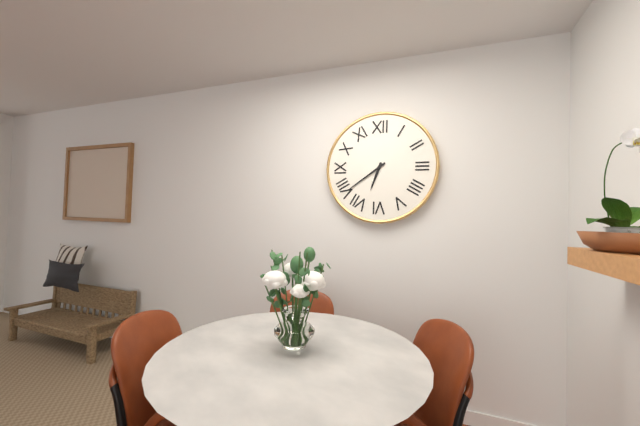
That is 6,39
